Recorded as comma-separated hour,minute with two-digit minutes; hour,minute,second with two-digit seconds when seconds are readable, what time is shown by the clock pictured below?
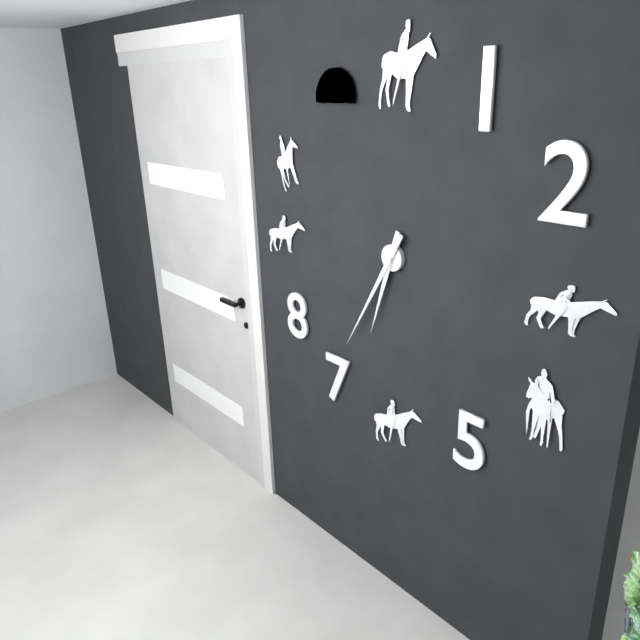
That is 6,35
